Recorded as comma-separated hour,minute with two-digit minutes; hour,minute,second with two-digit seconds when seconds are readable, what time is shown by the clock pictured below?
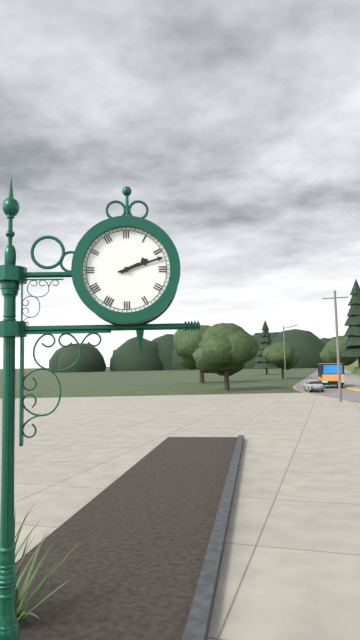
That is 2,12
